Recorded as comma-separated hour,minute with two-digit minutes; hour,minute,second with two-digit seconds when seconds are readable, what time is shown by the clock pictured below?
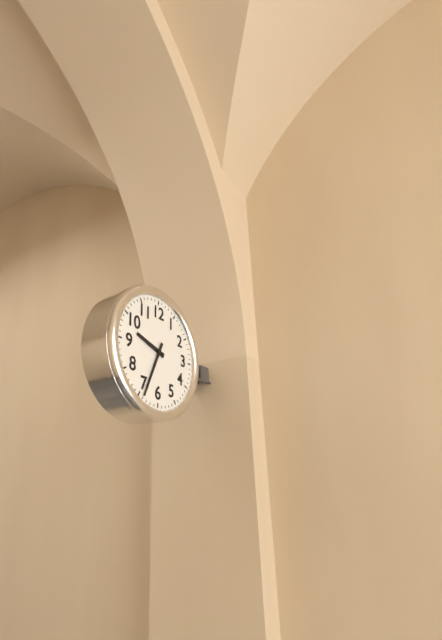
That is 9,34
